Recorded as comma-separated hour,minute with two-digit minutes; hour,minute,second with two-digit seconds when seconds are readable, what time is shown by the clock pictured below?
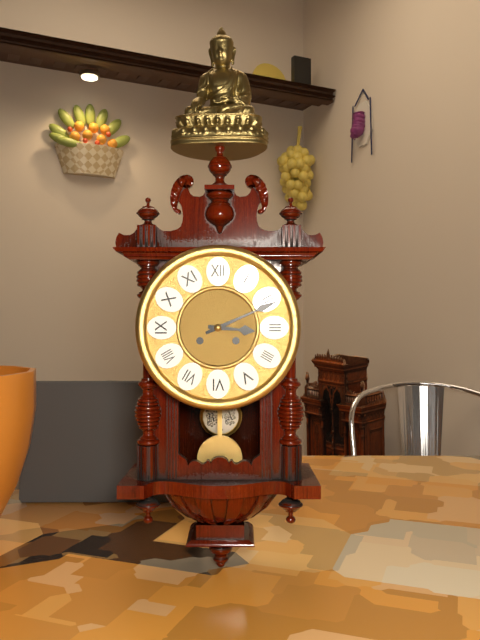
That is 3,11
